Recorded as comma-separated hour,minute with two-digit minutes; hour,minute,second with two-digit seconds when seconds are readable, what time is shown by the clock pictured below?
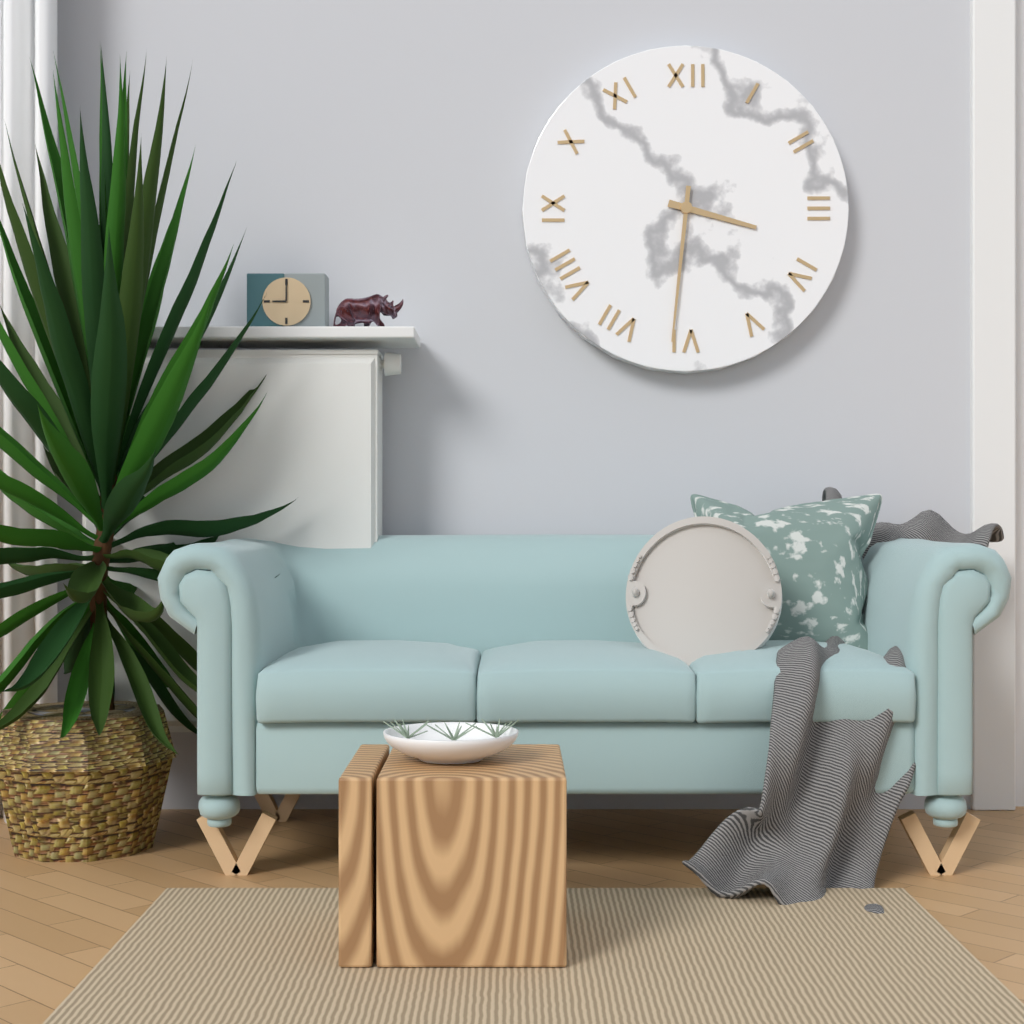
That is 3,31
